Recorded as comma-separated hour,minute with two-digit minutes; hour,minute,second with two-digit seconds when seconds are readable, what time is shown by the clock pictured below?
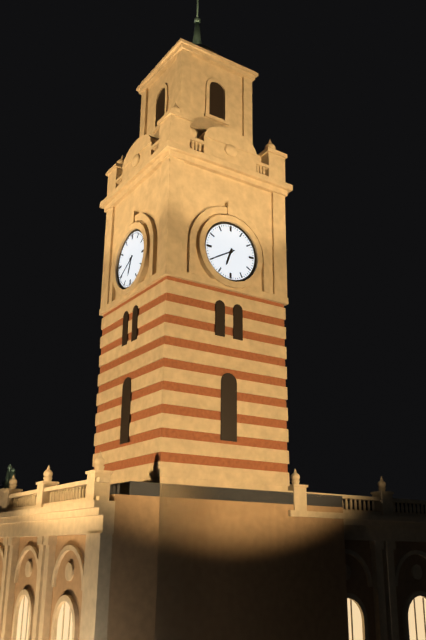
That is 6,40
